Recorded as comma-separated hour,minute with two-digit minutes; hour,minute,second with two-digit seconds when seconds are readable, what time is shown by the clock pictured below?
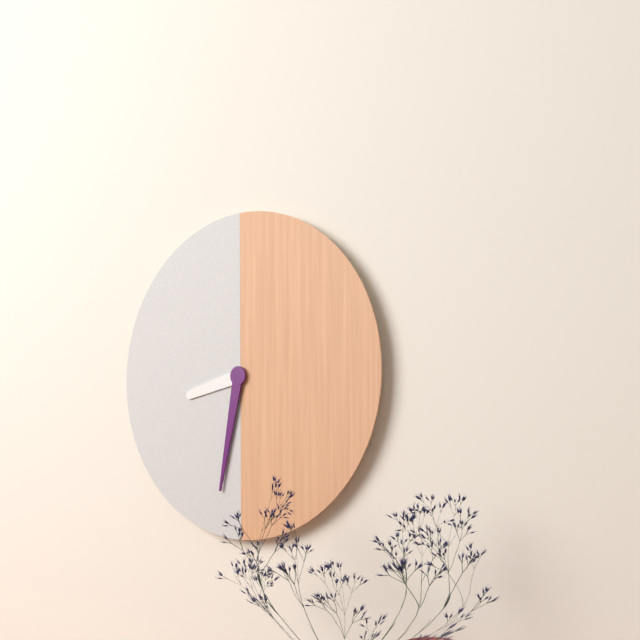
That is 8,32
